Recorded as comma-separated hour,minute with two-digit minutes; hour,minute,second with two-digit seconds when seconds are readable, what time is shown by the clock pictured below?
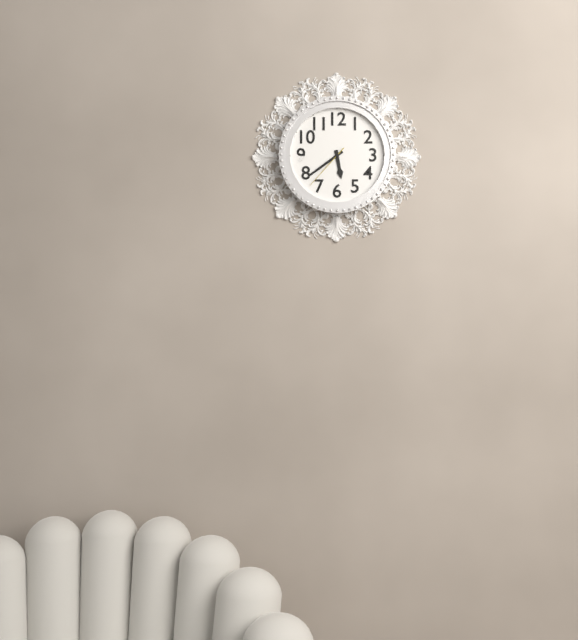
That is 5,39,37
